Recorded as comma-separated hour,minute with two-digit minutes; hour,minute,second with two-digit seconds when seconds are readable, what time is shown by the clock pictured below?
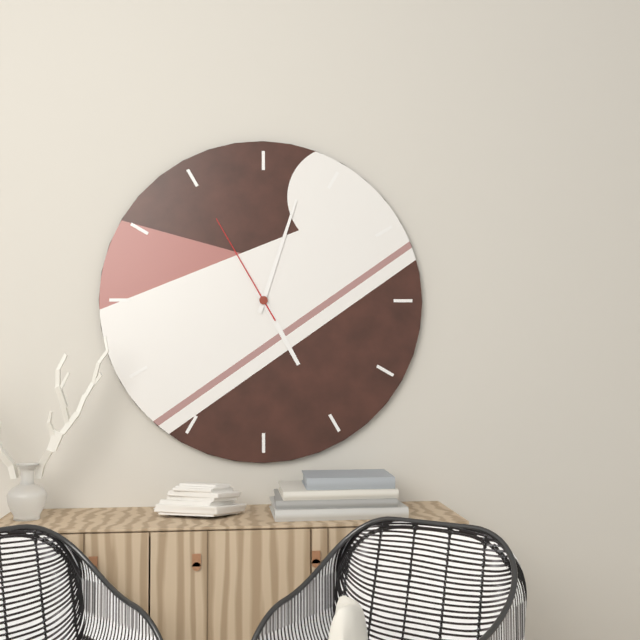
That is 5,03,55
